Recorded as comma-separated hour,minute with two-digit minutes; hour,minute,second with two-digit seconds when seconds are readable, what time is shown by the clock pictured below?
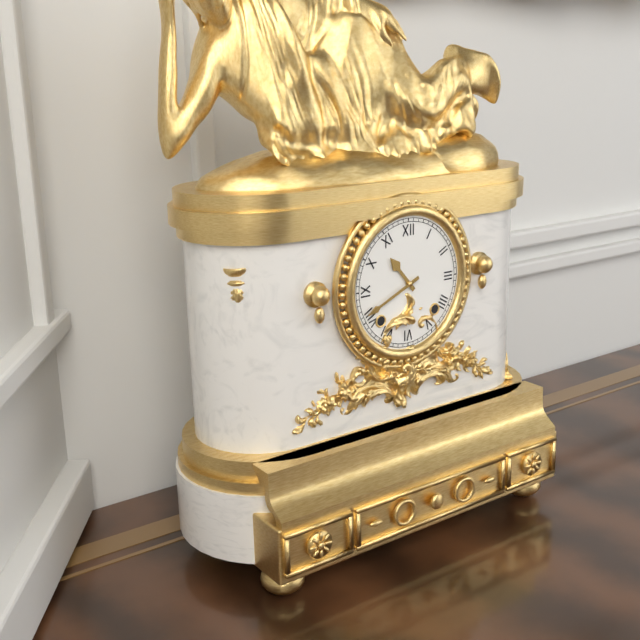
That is 10,41
